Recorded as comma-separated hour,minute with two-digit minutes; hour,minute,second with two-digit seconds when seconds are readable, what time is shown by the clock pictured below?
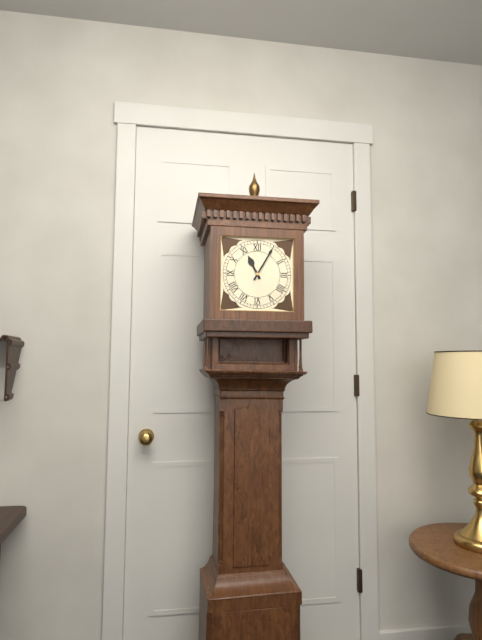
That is 11,05
